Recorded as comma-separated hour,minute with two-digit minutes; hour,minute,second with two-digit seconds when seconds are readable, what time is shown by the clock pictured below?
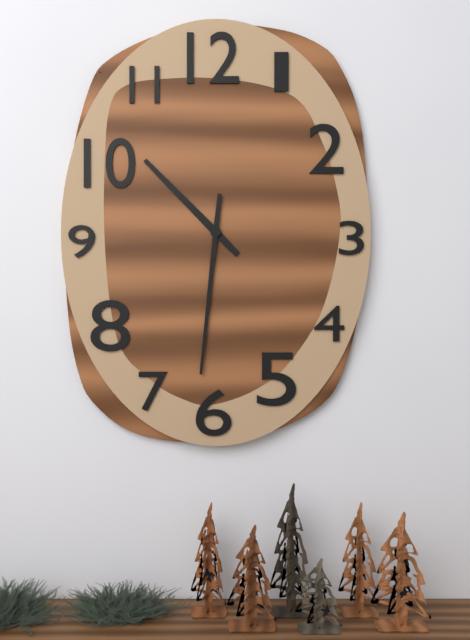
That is 10,31
